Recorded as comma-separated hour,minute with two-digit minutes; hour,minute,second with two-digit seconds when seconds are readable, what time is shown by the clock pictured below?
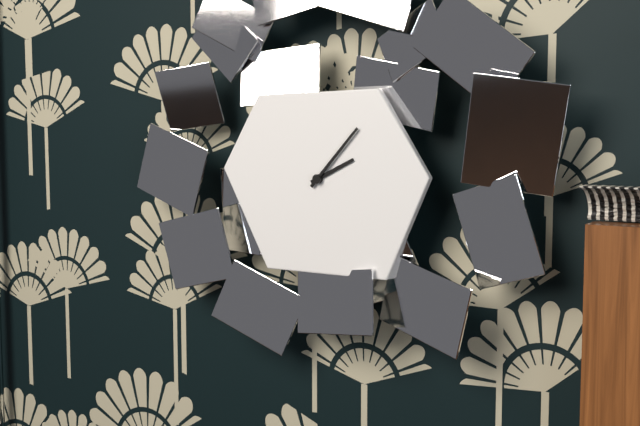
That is 2,07
